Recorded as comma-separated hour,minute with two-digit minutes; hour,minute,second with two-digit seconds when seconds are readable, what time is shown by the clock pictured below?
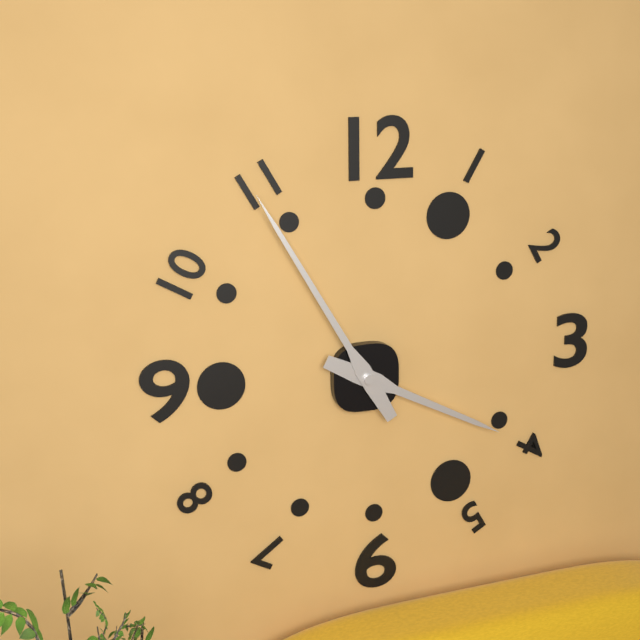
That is 3,55
